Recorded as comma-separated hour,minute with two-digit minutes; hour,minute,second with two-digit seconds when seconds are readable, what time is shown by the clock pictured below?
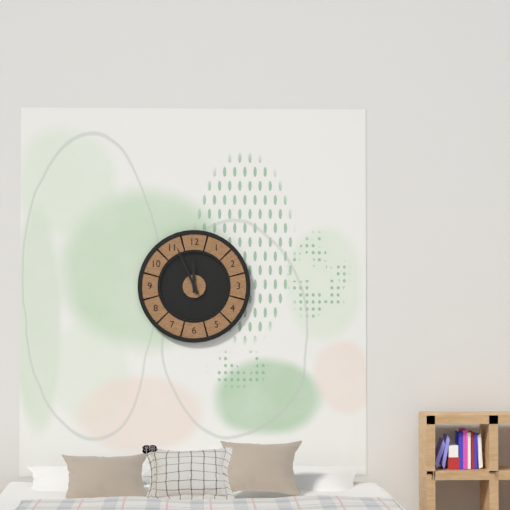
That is 11,56
